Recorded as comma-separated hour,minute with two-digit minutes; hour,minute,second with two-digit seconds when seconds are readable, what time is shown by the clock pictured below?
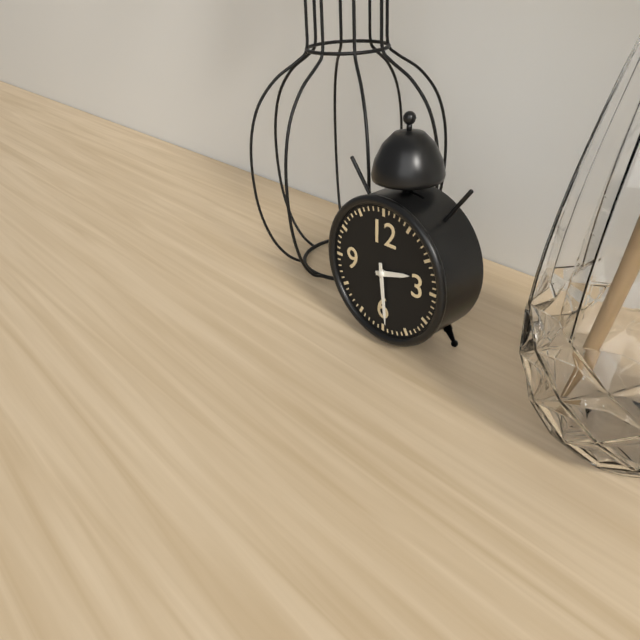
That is 2,29
